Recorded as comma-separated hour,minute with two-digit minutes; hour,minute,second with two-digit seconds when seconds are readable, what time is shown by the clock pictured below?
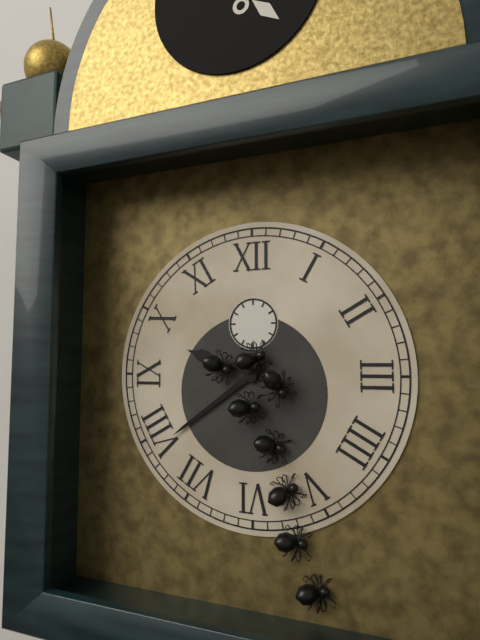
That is 9,39
